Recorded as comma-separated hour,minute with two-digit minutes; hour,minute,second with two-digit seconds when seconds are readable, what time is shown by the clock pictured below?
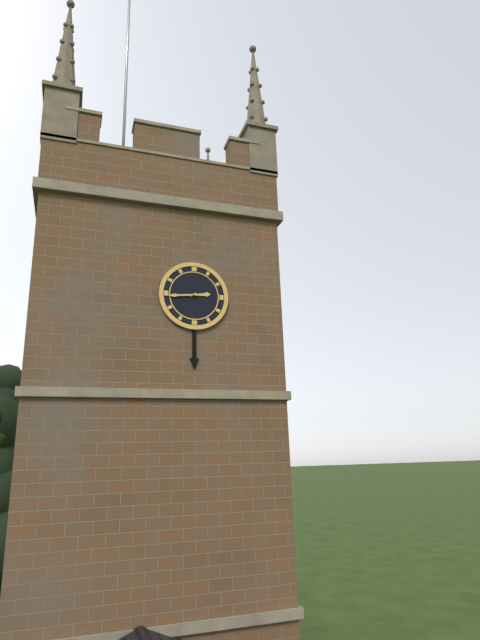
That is 2,44
